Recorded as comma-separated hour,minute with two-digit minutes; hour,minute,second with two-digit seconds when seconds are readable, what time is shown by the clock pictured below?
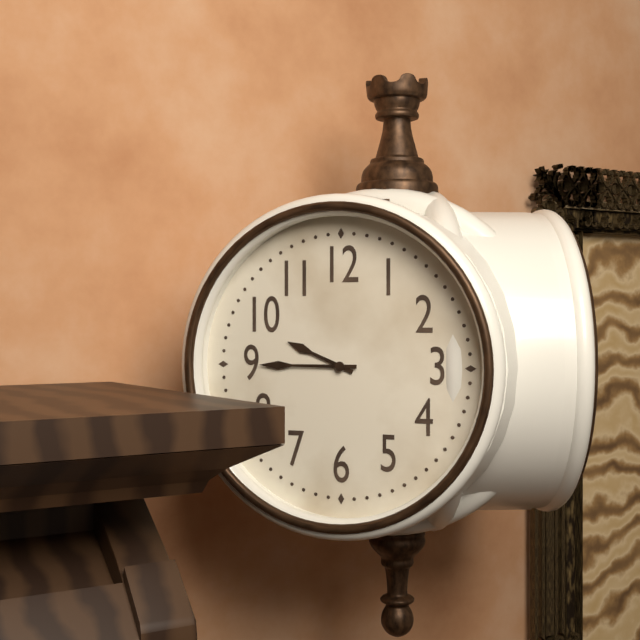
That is 9,45
